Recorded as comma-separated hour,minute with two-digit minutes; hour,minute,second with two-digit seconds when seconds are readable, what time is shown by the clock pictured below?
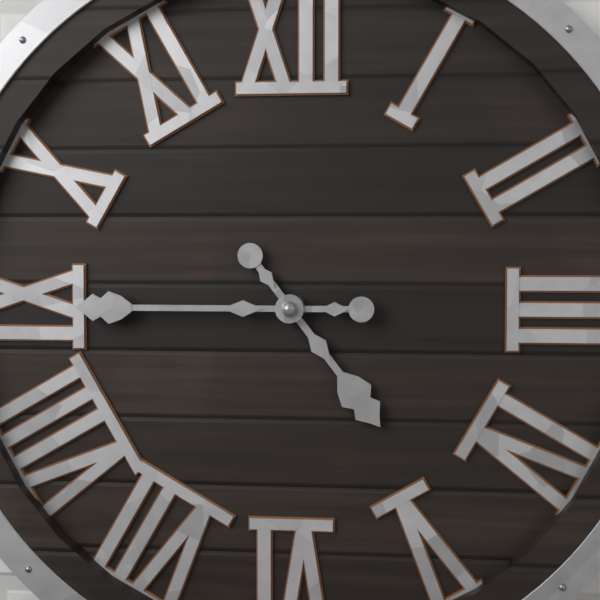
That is 4,45
